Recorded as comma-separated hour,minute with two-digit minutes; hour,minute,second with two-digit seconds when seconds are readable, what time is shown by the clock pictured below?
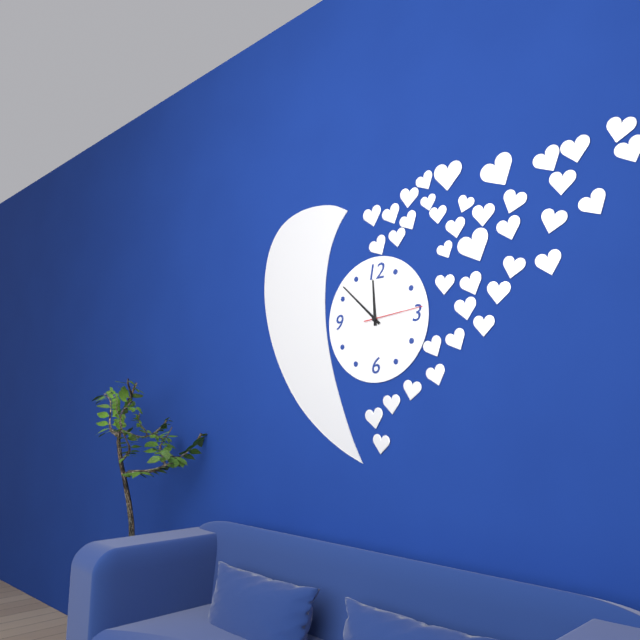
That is 11,52,14
